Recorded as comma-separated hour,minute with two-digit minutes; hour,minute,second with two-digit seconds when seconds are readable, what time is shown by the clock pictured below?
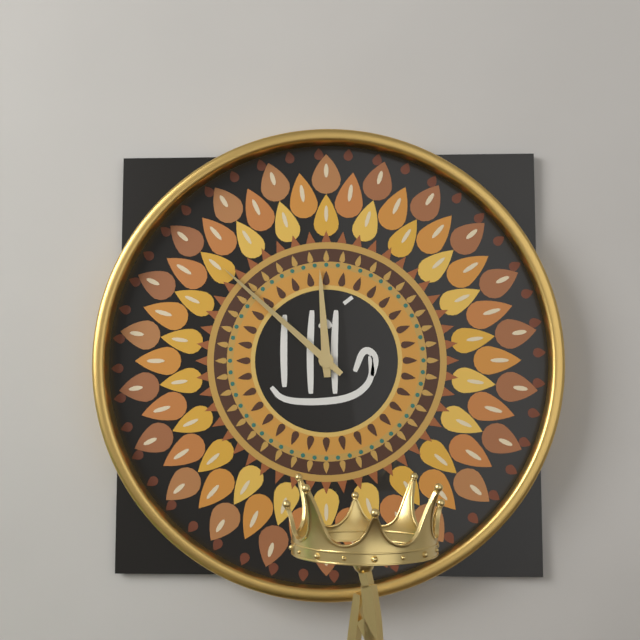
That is 11,52
